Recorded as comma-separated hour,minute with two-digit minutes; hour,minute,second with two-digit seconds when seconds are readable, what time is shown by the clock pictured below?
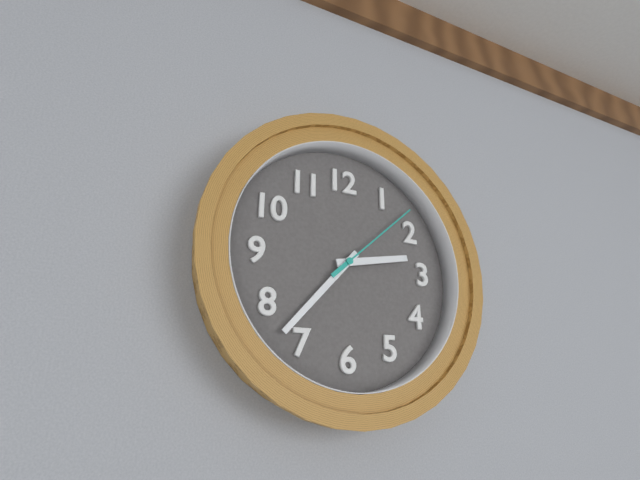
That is 2,37,08
